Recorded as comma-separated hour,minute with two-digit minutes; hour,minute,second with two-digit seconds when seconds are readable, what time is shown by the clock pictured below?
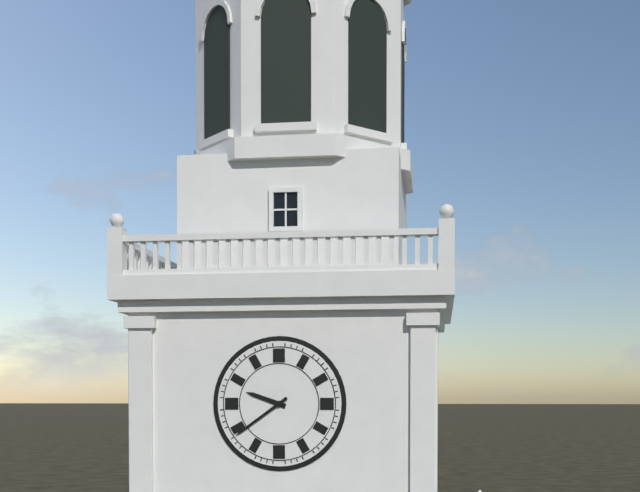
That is 9,39
